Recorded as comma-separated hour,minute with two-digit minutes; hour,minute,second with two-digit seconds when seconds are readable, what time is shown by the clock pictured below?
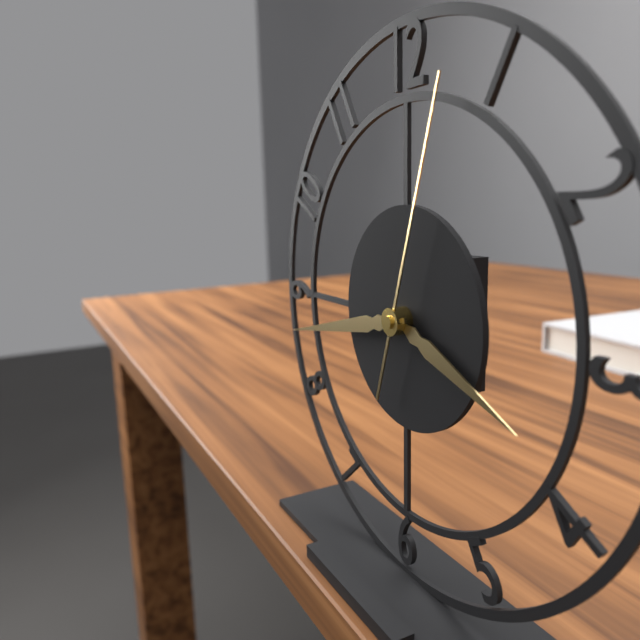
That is 3,43,03
